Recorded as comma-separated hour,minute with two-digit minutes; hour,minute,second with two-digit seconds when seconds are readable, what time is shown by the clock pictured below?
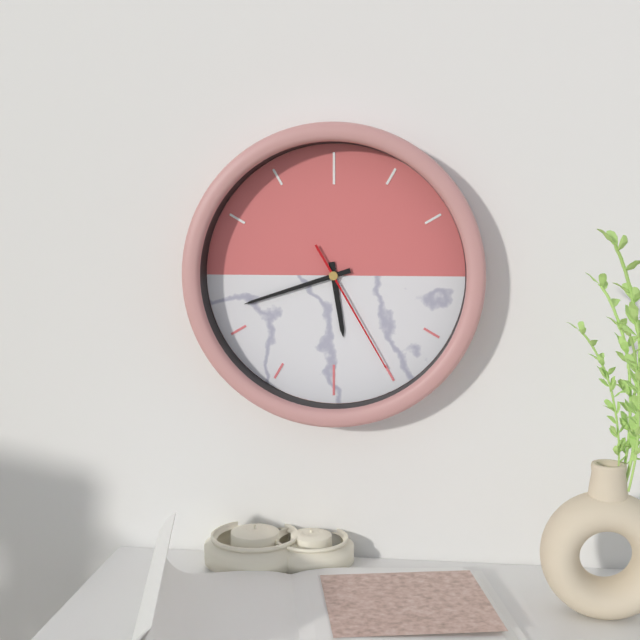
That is 5,42,25
